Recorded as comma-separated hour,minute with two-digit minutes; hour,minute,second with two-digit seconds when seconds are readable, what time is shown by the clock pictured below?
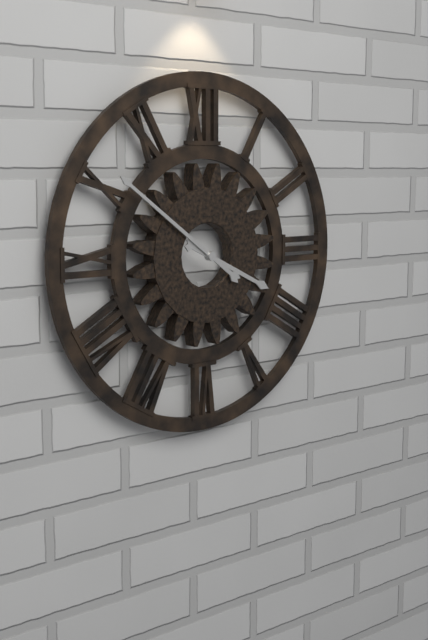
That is 3,51
